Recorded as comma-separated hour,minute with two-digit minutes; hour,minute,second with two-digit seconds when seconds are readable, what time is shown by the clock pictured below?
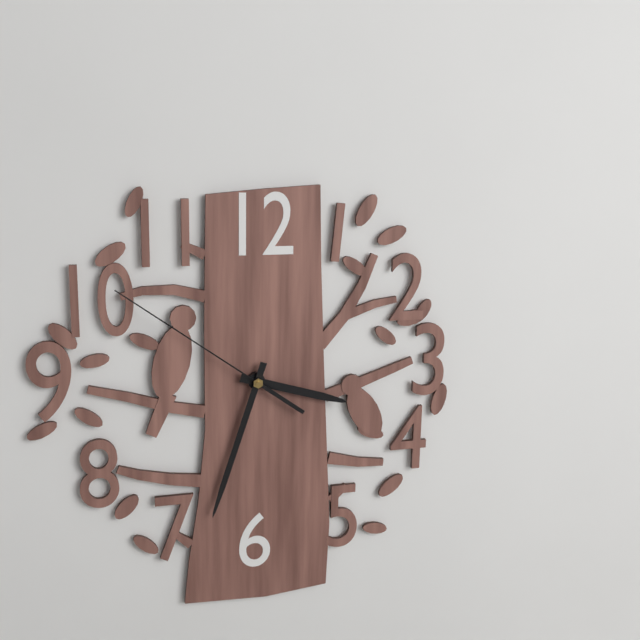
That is 3,33,51
